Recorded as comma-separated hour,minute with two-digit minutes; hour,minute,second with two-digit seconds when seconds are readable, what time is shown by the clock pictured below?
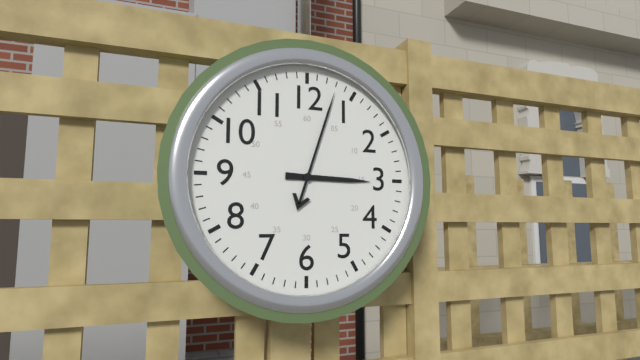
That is 3,03
